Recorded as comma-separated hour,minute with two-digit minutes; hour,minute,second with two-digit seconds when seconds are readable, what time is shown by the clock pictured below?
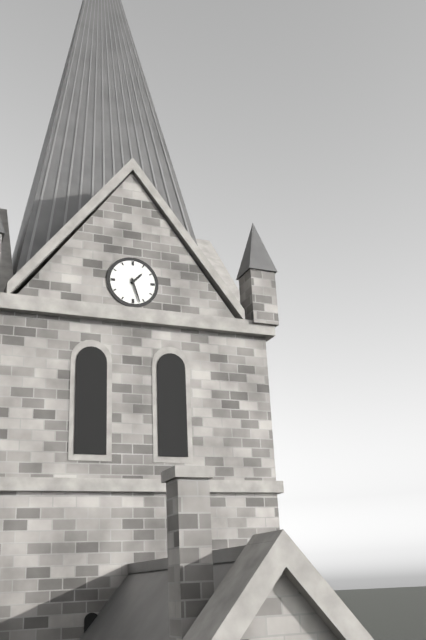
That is 1,27
